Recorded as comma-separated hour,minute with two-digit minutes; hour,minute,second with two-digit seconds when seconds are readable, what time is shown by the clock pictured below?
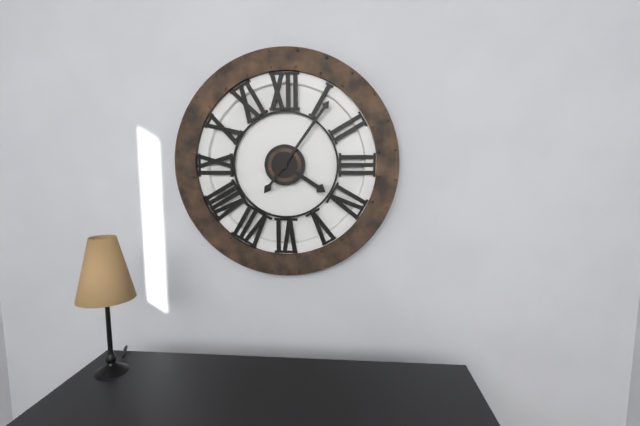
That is 4,06
